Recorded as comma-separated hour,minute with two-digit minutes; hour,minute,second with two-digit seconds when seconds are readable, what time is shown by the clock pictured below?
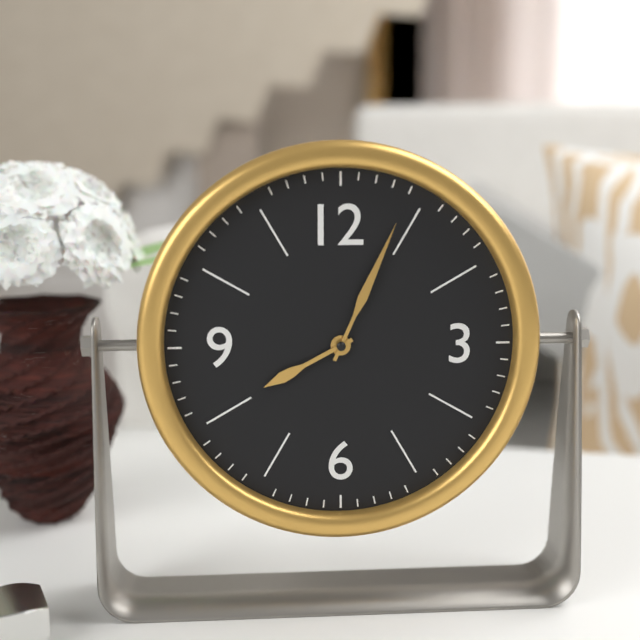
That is 8,04
